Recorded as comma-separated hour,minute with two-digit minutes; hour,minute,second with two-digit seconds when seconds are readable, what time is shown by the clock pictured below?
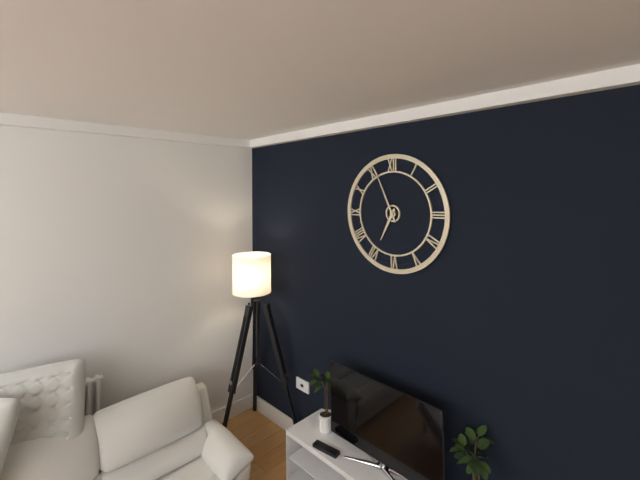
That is 6,56
